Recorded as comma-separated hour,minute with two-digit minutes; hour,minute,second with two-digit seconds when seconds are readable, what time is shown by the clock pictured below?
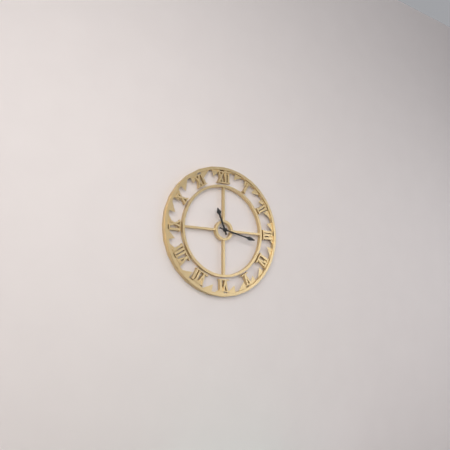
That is 11,17
